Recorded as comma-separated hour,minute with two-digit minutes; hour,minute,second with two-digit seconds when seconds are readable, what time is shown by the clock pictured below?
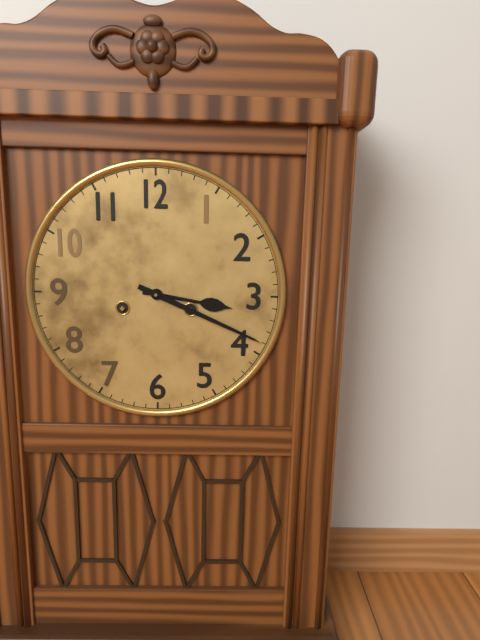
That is 3,19
